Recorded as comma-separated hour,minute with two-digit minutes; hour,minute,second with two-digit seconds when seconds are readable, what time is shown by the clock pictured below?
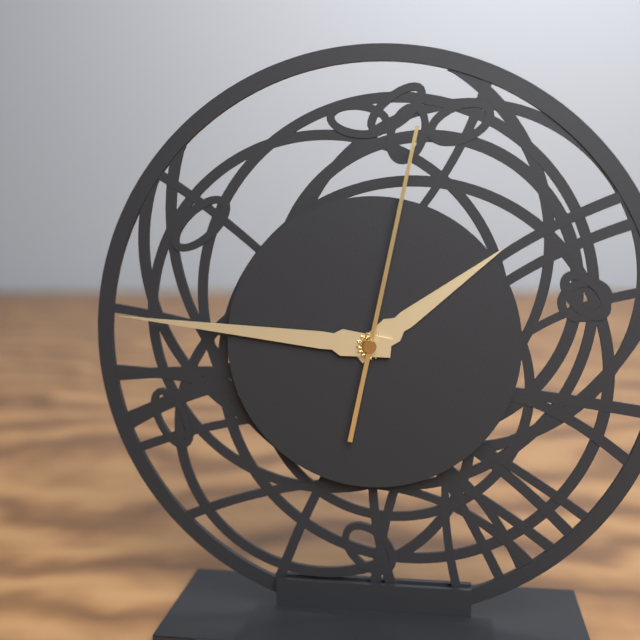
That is 1,46,02
